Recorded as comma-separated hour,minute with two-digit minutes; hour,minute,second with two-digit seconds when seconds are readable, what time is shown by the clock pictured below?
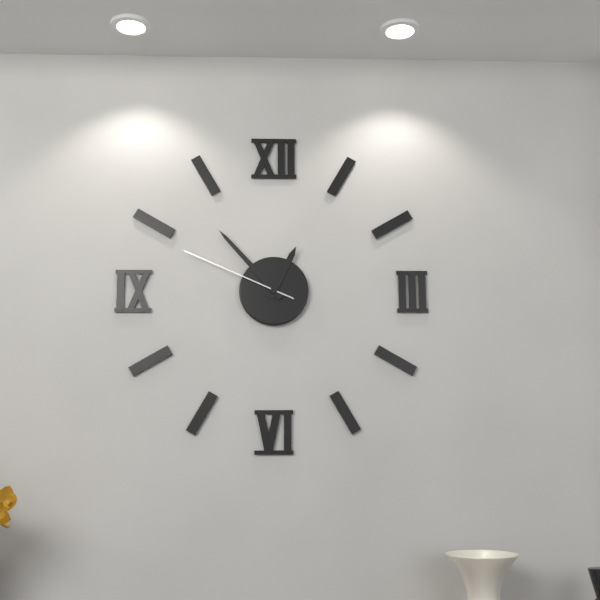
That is 12,53,49
